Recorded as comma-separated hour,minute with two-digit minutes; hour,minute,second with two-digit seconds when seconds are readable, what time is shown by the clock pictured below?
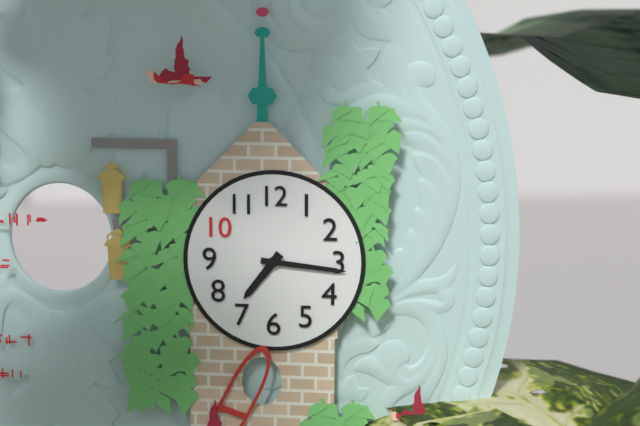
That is 7,16
